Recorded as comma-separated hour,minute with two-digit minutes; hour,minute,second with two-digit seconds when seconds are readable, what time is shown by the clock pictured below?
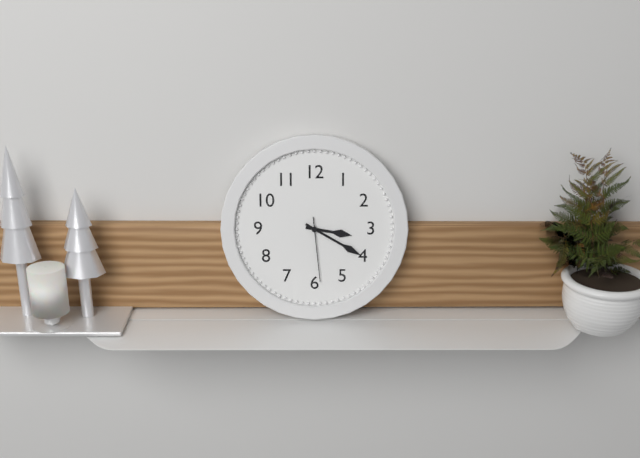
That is 3,20,29
